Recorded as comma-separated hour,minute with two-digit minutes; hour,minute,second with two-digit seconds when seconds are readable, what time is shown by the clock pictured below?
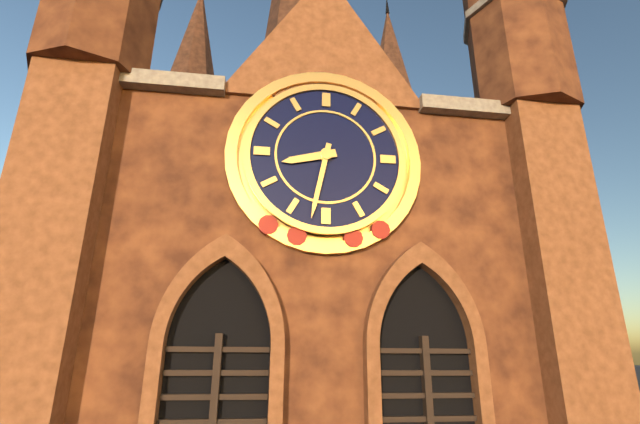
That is 8,32
